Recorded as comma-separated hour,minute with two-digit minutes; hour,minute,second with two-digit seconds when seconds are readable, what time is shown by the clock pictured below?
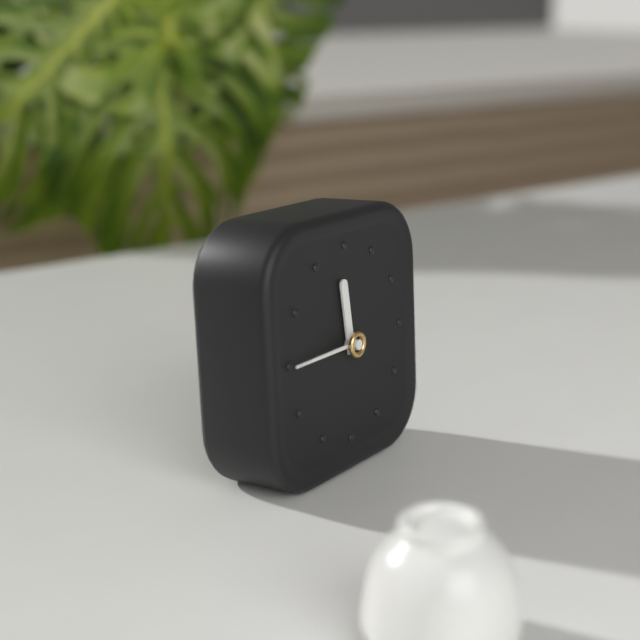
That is 11,45
